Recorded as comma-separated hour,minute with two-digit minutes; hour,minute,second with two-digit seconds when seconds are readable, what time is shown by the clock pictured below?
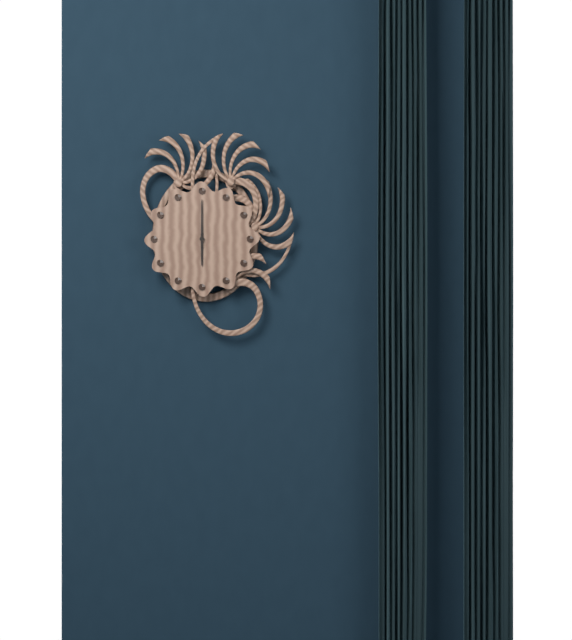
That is 6,00
